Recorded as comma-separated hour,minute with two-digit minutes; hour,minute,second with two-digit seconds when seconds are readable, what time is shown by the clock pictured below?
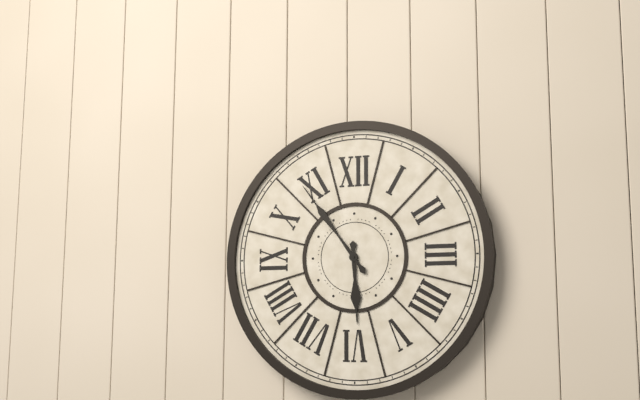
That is 5,54
